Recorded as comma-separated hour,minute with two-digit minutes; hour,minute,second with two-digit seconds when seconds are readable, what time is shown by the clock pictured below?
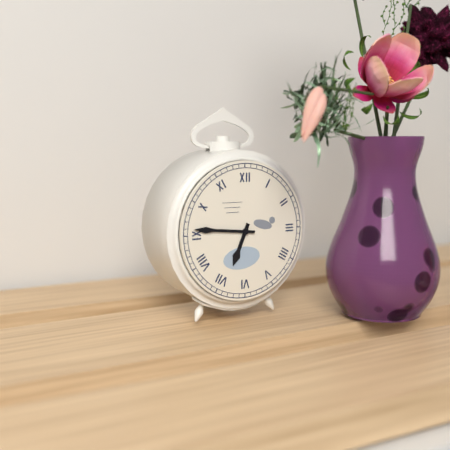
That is 6,46
